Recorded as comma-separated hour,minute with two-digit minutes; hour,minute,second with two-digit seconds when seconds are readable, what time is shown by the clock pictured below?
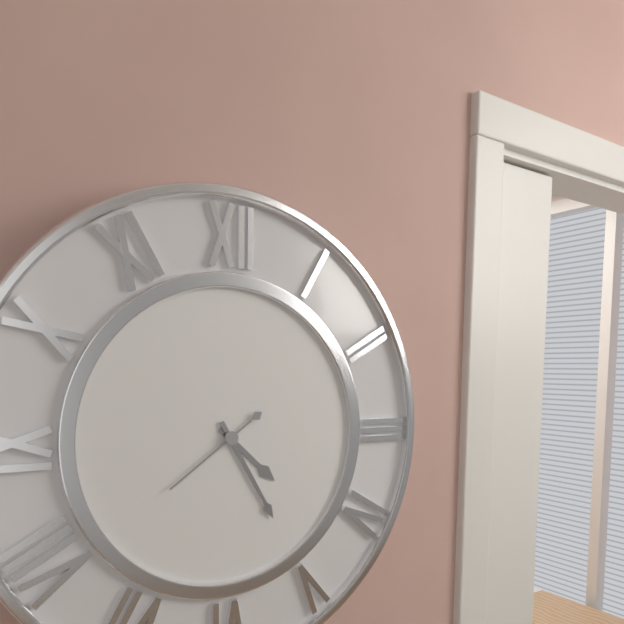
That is 4,25,39
